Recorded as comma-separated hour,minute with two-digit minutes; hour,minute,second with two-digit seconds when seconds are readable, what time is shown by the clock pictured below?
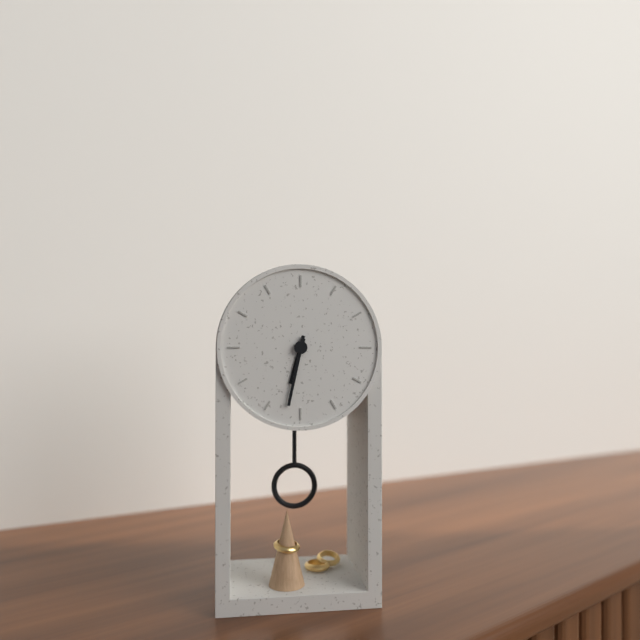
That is 6,32
